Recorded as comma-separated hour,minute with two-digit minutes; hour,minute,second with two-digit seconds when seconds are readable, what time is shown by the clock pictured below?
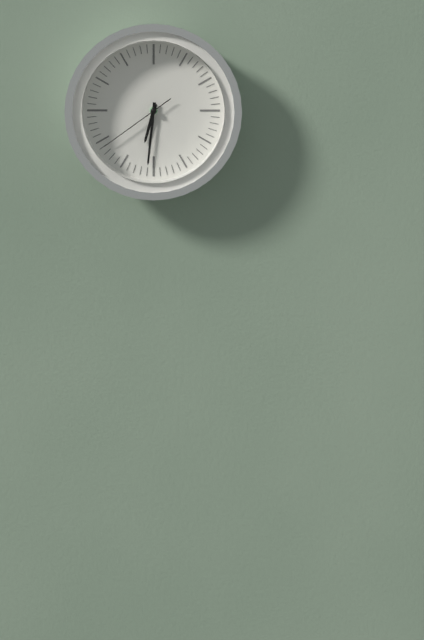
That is 6,31,39
